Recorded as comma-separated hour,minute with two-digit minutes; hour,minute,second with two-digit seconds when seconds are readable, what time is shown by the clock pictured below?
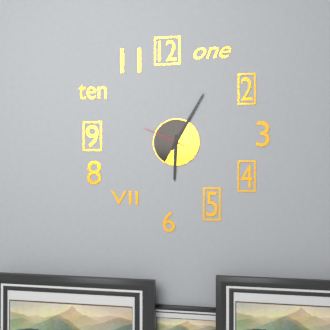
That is 6,05
